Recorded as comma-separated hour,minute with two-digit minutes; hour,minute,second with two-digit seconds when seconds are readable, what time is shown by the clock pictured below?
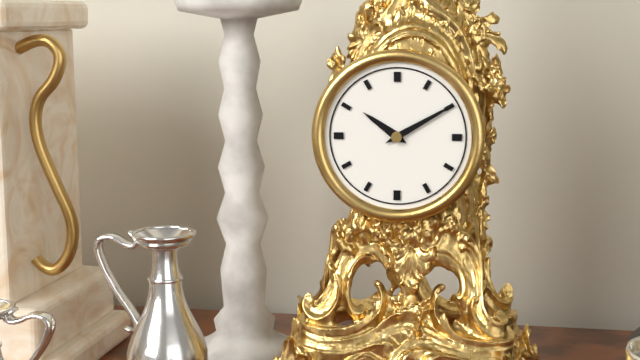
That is 10,10
